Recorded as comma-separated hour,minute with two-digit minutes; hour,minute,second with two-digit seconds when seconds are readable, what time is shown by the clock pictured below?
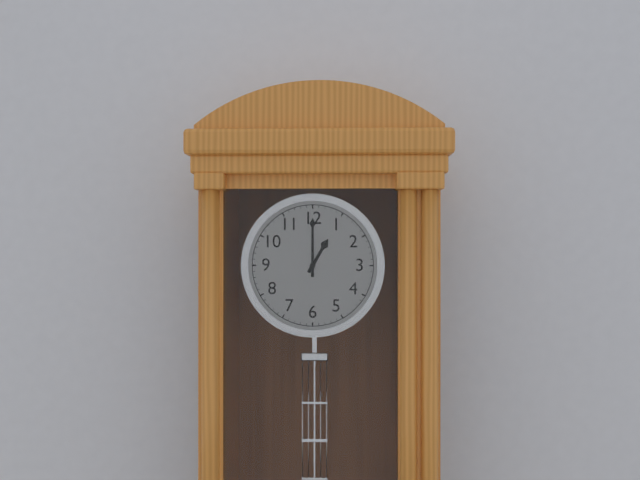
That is 1,00
